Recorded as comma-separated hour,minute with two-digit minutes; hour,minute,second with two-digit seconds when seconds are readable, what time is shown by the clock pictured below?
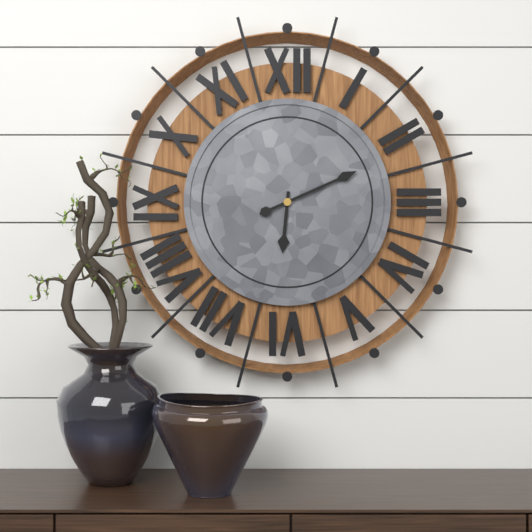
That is 6,11
